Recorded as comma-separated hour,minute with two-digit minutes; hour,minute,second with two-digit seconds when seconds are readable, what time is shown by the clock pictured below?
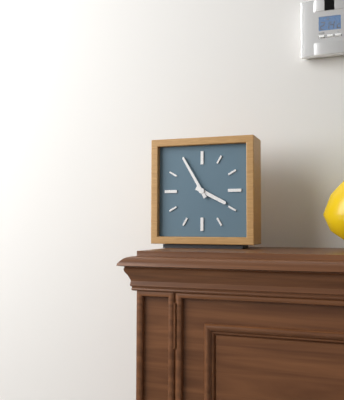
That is 3,55
